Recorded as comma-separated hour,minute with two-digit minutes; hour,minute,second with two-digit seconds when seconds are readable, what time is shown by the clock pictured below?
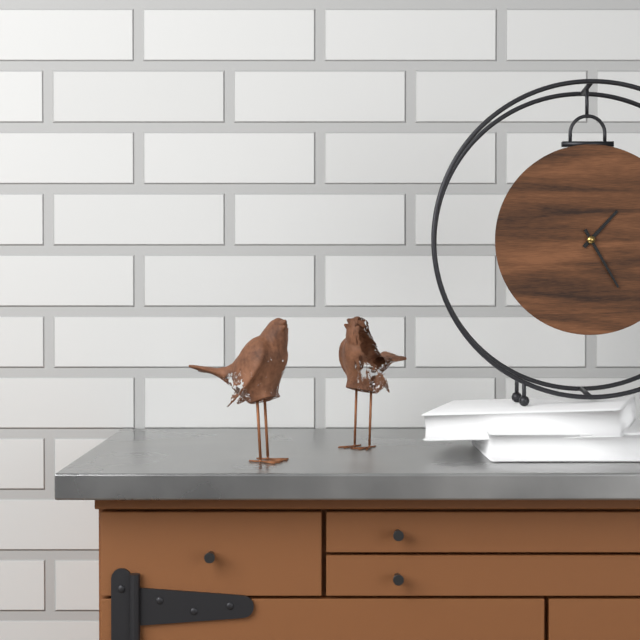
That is 1,25
